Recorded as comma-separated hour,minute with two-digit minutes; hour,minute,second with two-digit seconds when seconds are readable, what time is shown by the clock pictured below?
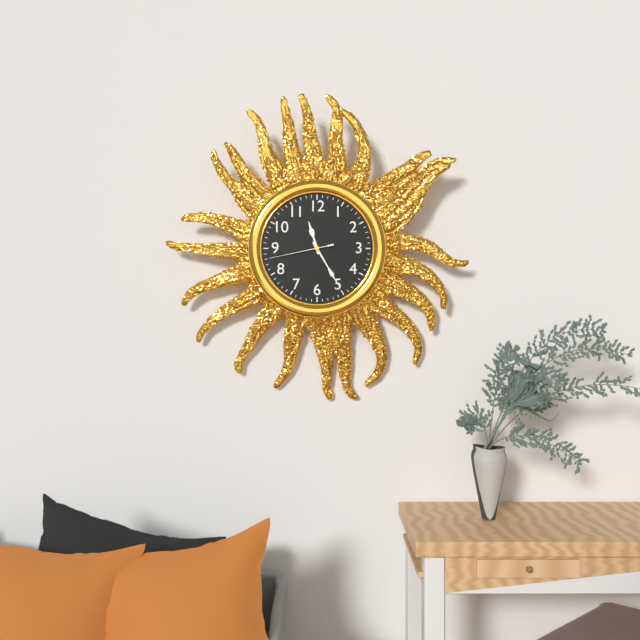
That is 11,25,43
